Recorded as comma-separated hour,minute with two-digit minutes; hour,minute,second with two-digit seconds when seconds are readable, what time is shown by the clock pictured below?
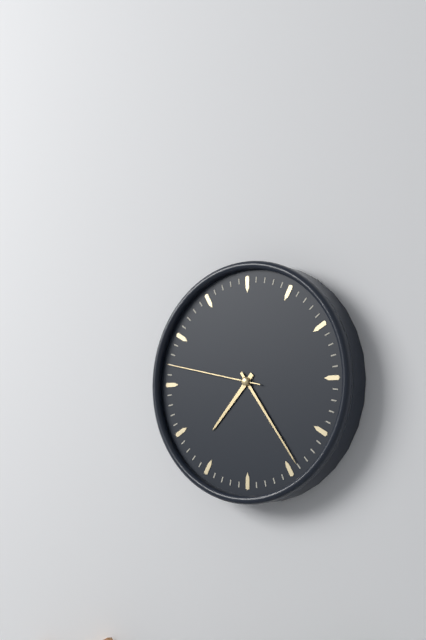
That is 7,24,47
